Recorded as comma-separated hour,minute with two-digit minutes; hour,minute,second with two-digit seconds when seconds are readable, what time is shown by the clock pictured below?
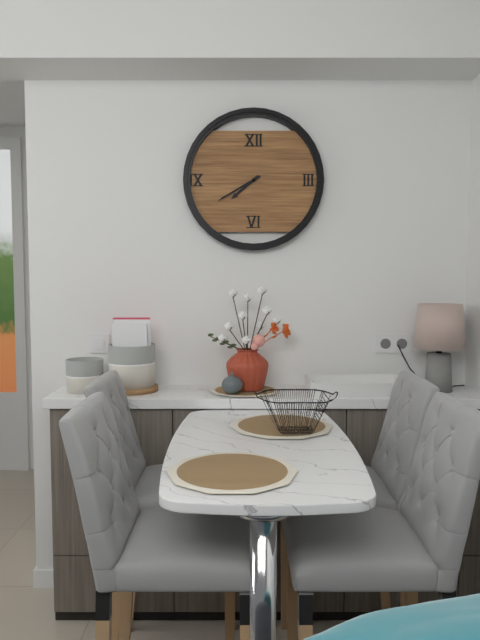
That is 7,40
